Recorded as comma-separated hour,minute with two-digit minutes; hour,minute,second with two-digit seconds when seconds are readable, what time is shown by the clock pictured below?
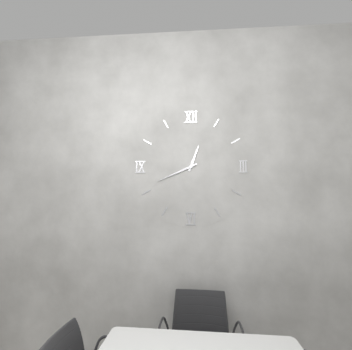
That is 12,41
